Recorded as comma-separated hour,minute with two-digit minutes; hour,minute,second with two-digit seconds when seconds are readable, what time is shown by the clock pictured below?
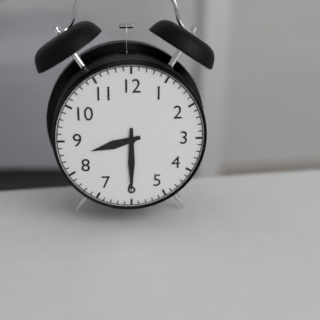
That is 8,30
